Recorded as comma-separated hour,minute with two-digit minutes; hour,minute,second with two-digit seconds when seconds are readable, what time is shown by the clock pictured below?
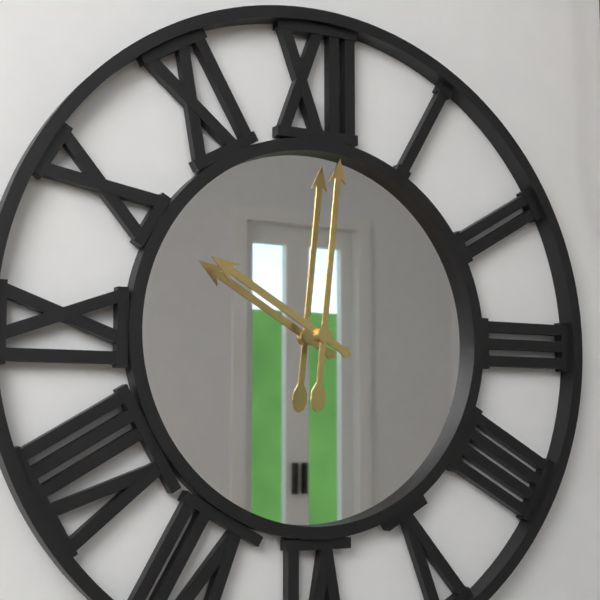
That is 10,01
